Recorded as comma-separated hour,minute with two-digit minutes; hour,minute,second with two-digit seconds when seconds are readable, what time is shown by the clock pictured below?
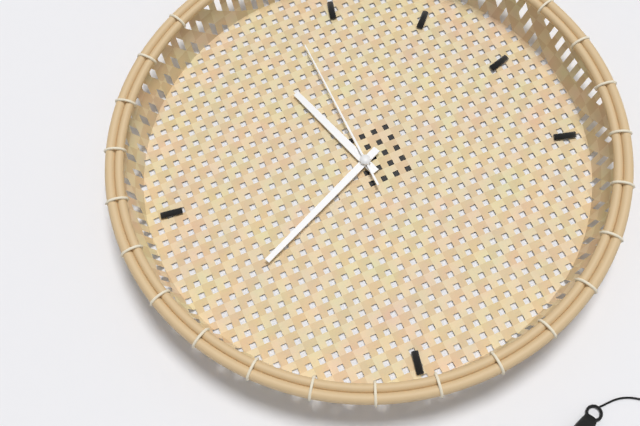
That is 8,26,45
